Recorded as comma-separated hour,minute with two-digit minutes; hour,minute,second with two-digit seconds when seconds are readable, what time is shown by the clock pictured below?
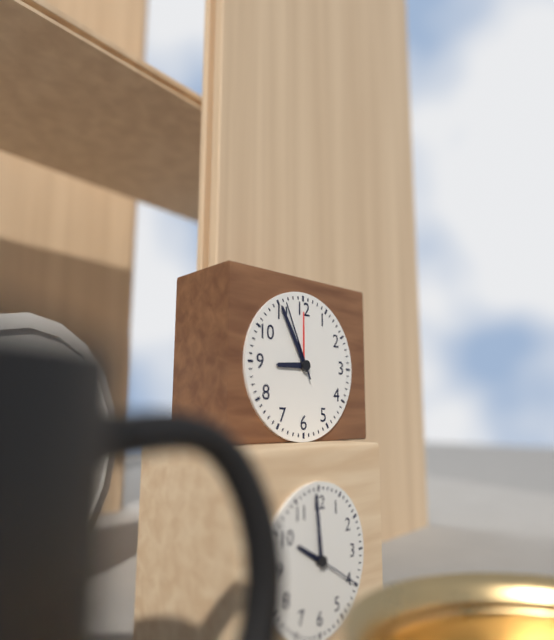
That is 8,55,56
